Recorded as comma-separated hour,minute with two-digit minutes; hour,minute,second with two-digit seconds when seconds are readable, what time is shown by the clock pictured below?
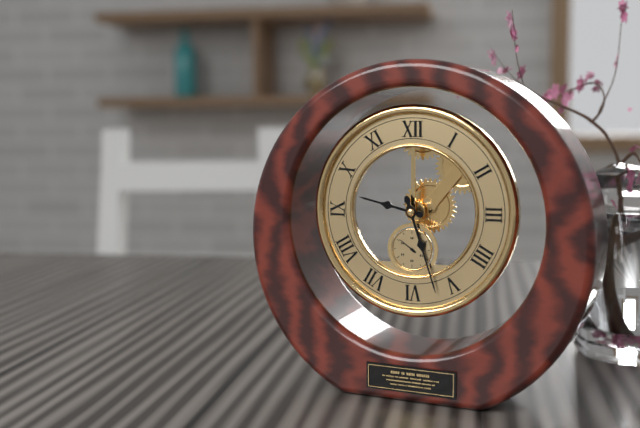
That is 9,27
